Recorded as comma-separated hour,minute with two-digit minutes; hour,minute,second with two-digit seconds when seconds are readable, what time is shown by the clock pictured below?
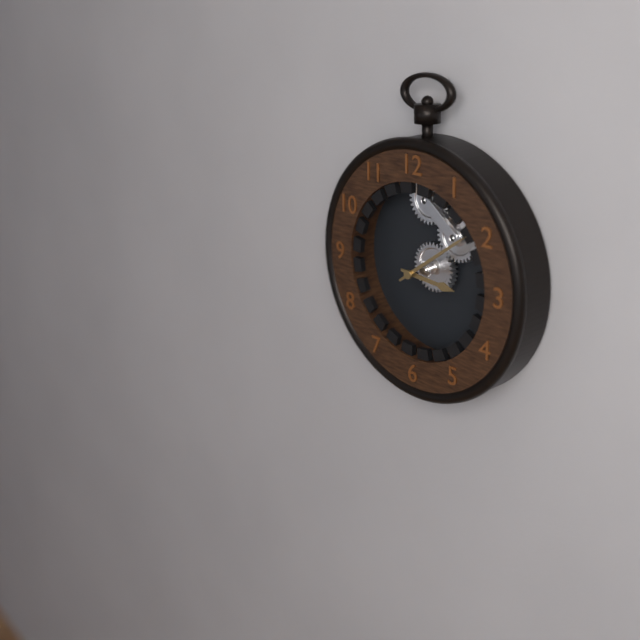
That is 3,09
